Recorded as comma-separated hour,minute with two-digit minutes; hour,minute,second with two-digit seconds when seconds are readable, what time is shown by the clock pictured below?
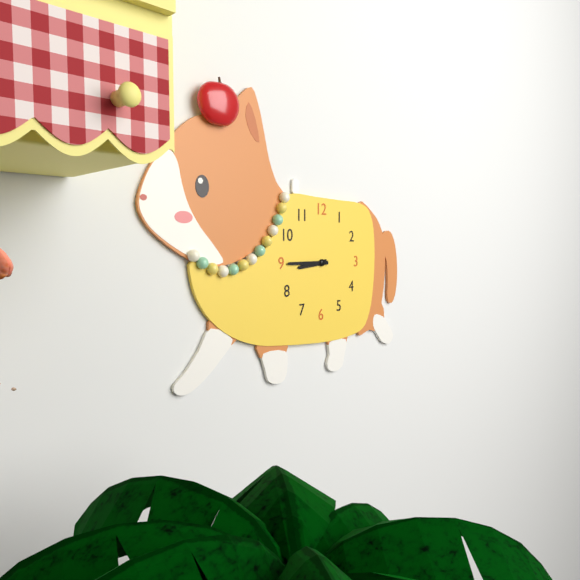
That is 8,45
